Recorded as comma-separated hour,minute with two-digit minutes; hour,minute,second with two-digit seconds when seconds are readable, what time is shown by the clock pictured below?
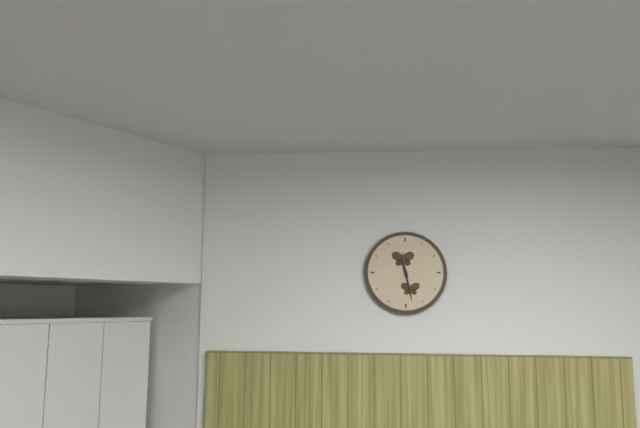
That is 11,28
